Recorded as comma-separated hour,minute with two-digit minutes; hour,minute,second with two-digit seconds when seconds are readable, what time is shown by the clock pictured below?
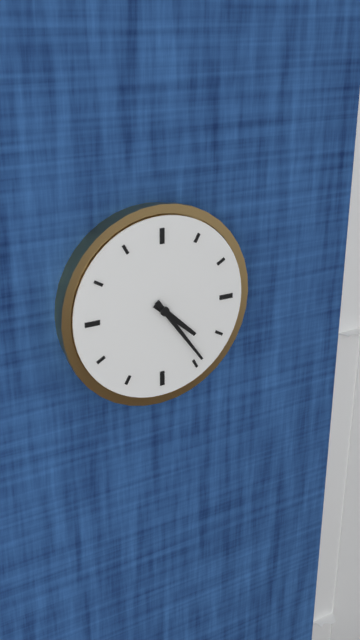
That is 4,24
